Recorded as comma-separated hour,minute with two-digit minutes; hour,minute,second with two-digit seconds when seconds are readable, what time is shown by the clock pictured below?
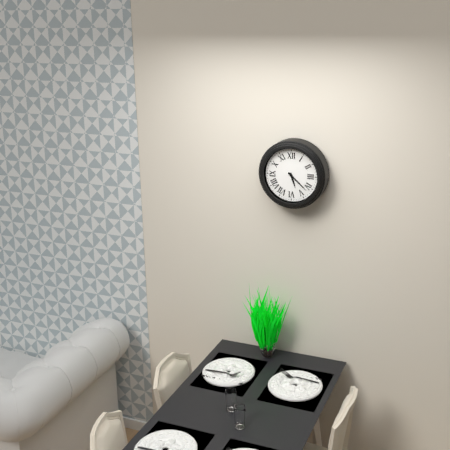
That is 5,22
